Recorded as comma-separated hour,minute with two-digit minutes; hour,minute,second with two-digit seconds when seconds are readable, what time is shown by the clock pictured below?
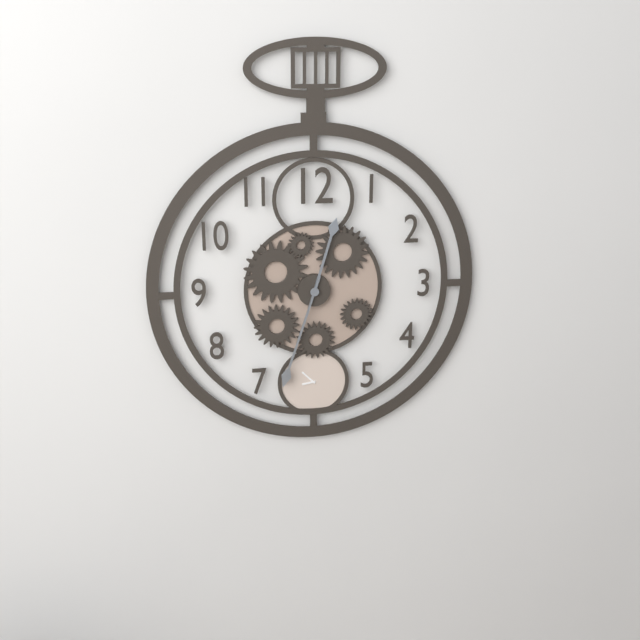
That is 12,33
